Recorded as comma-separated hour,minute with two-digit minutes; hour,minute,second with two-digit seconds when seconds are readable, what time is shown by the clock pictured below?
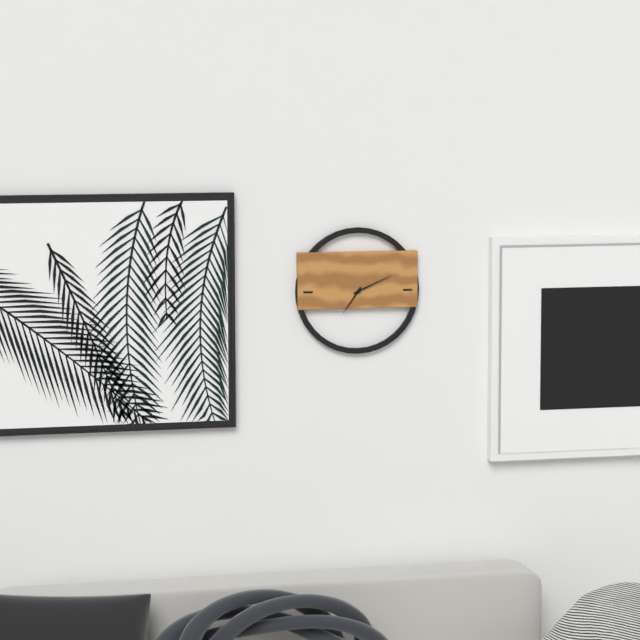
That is 7,11
